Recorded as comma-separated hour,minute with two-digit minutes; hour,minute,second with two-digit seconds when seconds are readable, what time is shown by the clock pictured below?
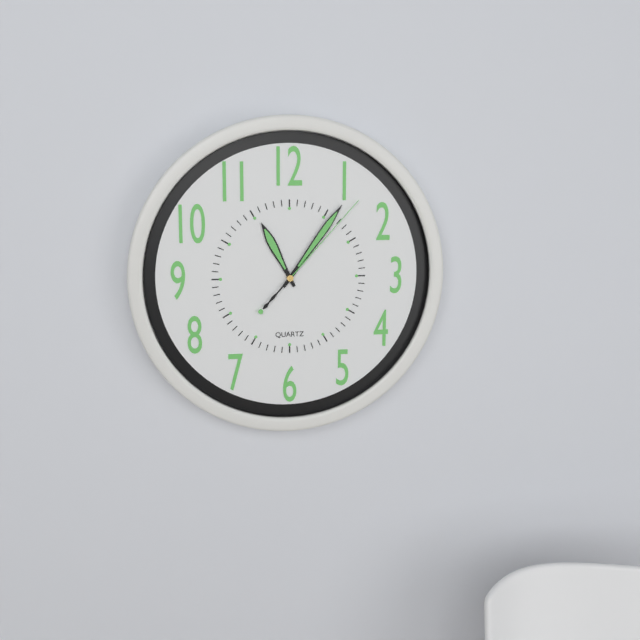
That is 11,06,07
